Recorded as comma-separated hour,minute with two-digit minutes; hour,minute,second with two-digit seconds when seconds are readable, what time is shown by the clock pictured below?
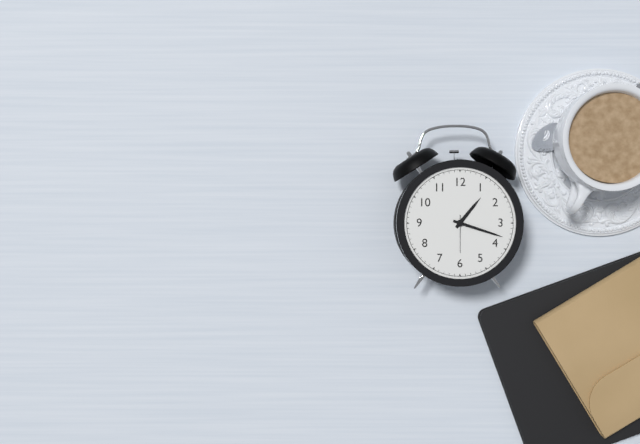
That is 1,18
